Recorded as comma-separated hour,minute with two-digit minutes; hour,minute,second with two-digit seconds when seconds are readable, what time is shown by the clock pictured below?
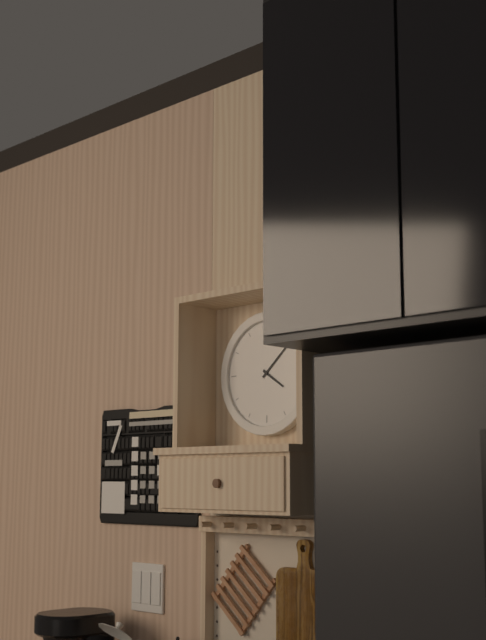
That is 4,08
